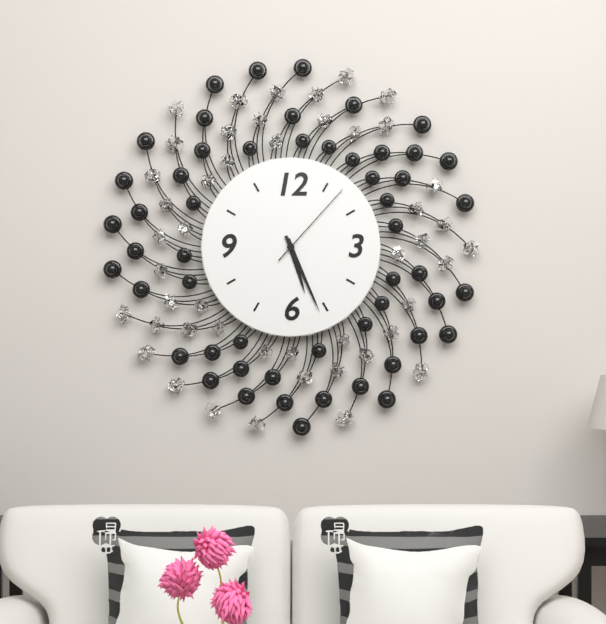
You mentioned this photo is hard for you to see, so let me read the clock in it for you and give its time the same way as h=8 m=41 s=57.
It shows h=5 m=26 s=7
